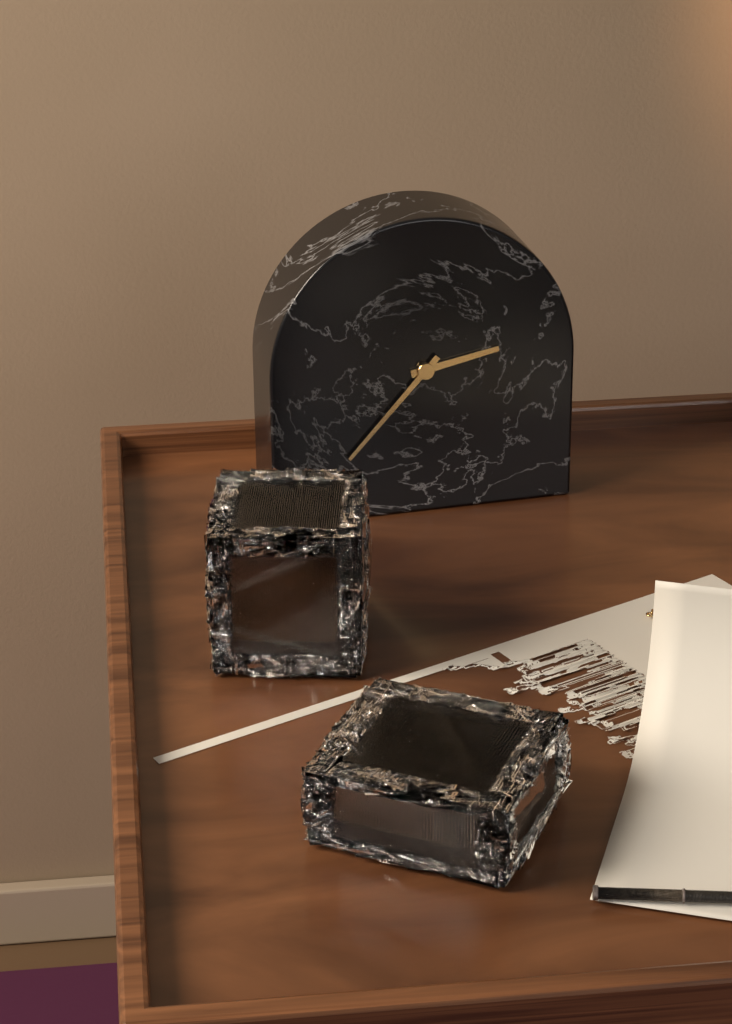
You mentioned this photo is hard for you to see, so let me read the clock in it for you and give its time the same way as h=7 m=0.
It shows h=2 m=37
